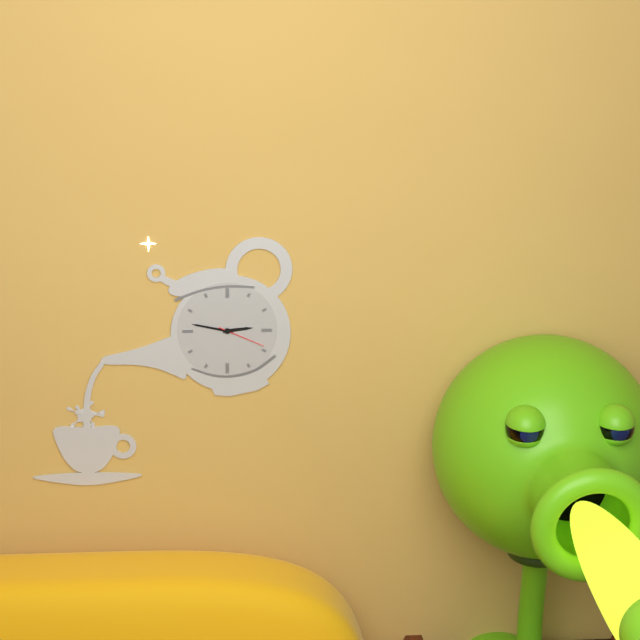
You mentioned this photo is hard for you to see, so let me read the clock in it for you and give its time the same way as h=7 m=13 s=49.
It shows h=2 m=47 s=19
